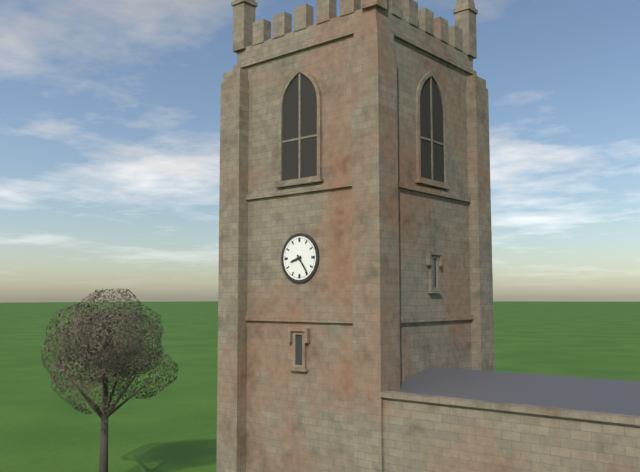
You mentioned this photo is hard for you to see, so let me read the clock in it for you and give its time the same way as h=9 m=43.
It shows h=8 m=24
